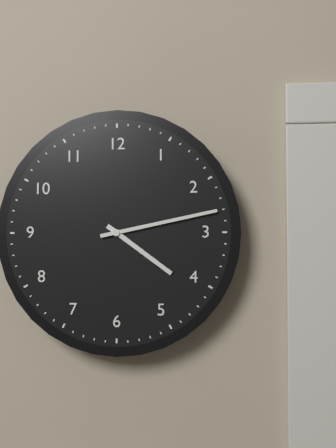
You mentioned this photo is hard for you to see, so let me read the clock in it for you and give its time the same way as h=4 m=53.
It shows h=4 m=13
